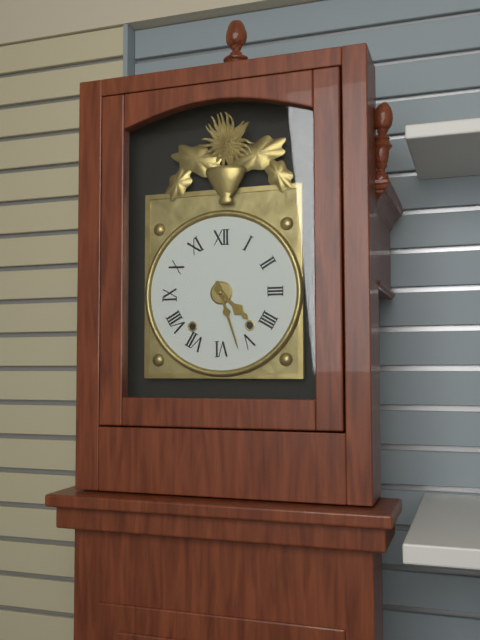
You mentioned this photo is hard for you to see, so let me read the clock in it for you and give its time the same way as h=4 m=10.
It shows h=4 m=27
